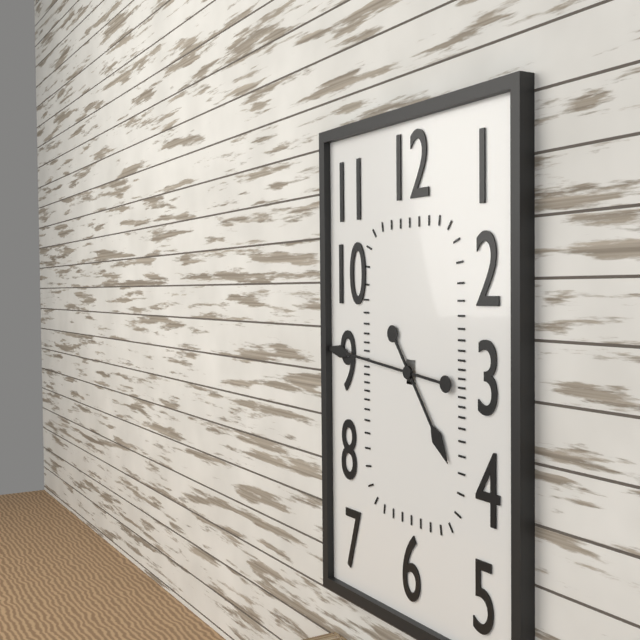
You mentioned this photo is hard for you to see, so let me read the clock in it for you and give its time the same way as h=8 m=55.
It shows h=4 m=46
